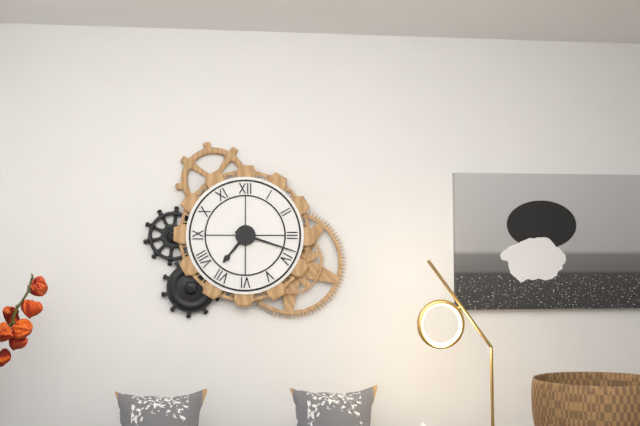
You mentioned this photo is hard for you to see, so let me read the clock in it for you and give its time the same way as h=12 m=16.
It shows h=7 m=18
